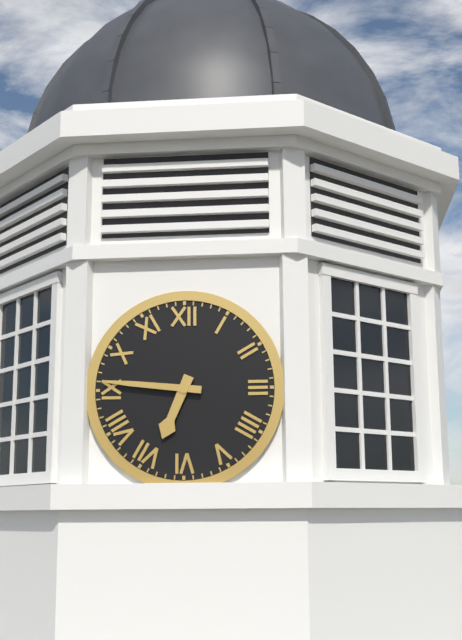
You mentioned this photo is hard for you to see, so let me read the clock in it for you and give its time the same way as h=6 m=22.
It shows h=6 m=46
